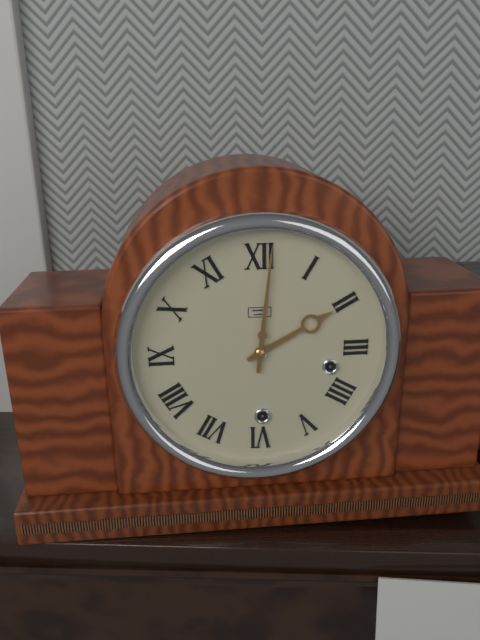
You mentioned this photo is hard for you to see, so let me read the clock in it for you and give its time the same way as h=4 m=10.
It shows h=2 m=1
